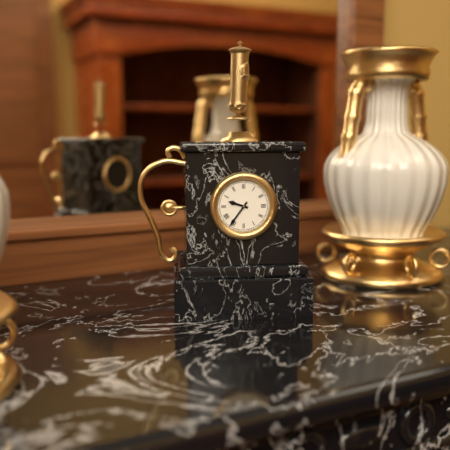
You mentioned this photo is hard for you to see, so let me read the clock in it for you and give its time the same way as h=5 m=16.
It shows h=9 m=36
